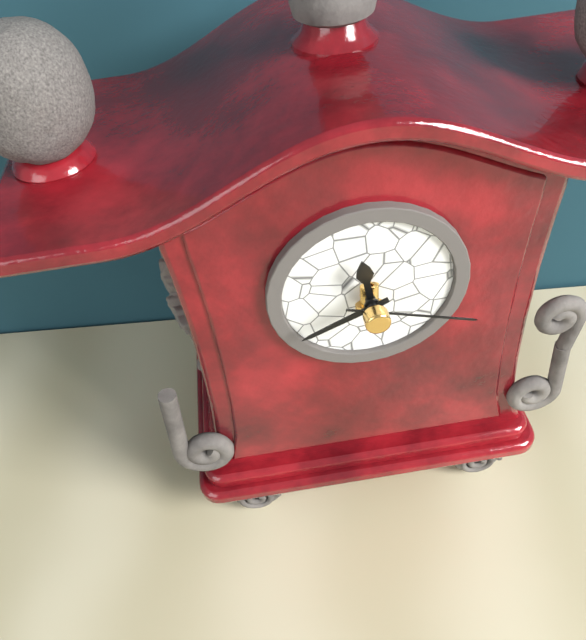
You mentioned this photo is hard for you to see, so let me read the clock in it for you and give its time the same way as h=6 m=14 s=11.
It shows h=11 m=41 s=18
